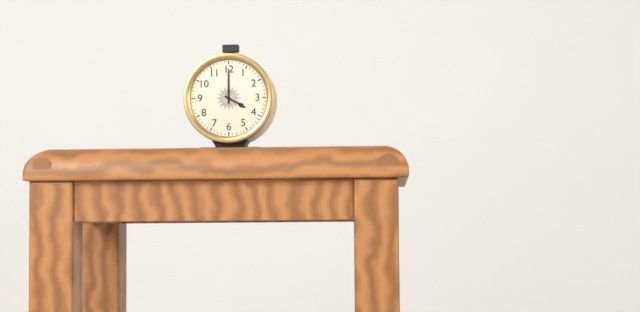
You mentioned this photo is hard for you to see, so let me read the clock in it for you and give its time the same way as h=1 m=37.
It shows h=4 m=0
